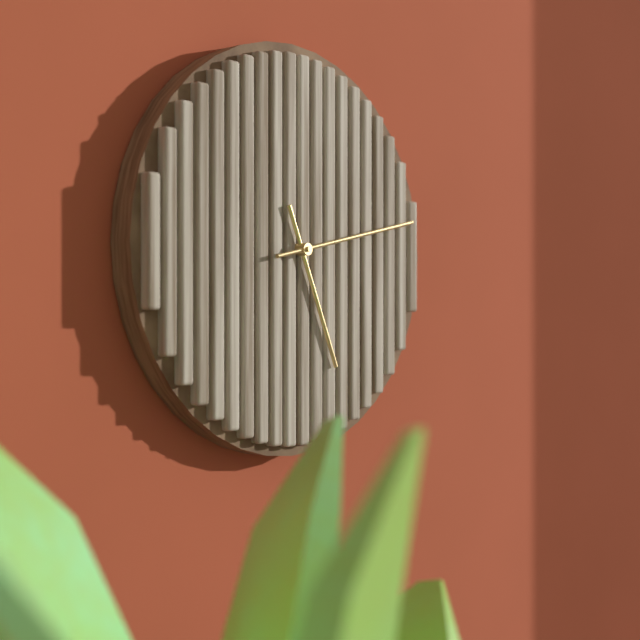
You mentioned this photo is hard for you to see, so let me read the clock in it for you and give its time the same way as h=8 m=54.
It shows h=5 m=13
